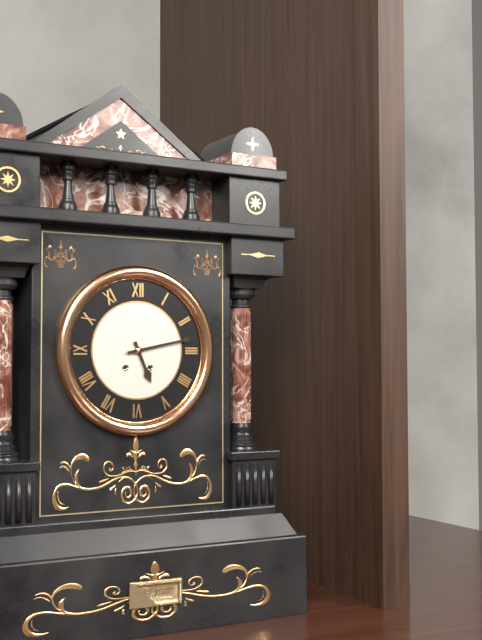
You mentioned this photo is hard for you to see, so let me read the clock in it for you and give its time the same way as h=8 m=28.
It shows h=5 m=13
